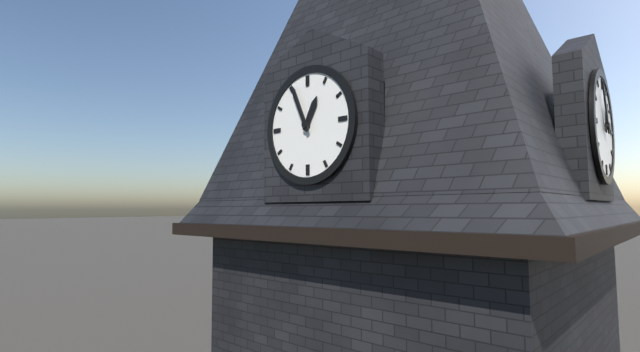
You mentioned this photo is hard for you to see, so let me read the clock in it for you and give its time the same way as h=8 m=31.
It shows h=12 m=56
